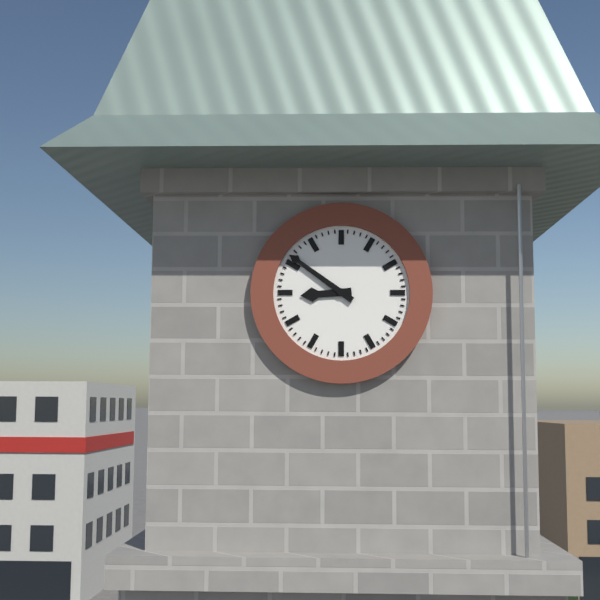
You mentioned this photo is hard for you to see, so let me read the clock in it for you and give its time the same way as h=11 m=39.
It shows h=8 m=51
